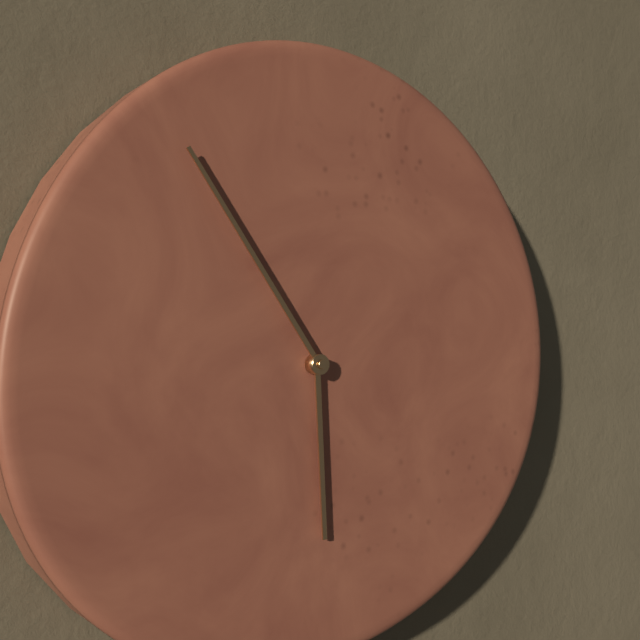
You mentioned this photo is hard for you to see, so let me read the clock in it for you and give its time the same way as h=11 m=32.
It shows h=5 m=54
